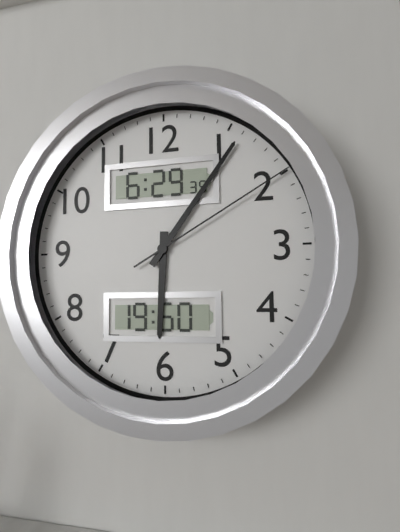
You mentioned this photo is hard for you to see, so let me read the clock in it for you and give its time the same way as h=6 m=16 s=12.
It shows h=6 m=6 s=10
